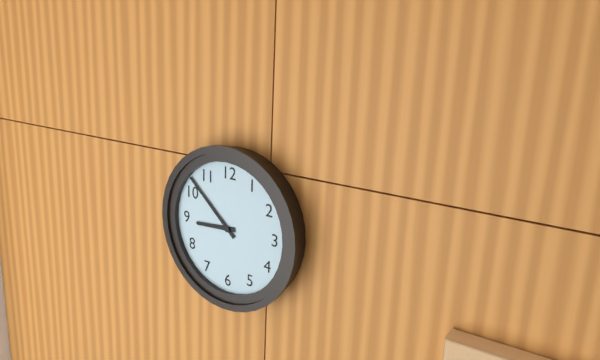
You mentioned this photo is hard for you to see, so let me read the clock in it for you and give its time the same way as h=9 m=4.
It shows h=8 m=52
